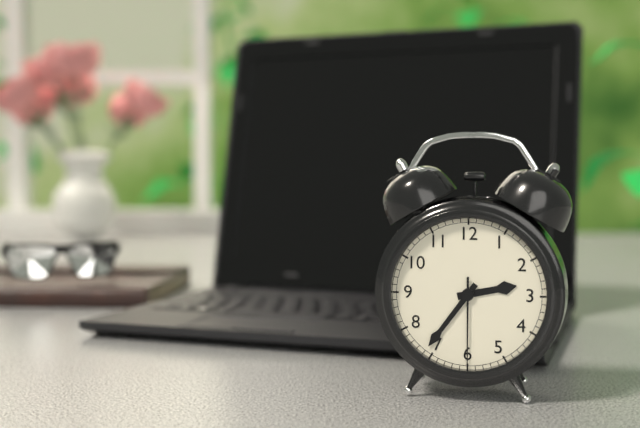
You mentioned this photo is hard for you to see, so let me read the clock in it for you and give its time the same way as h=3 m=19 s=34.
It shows h=2 m=36 s=30
